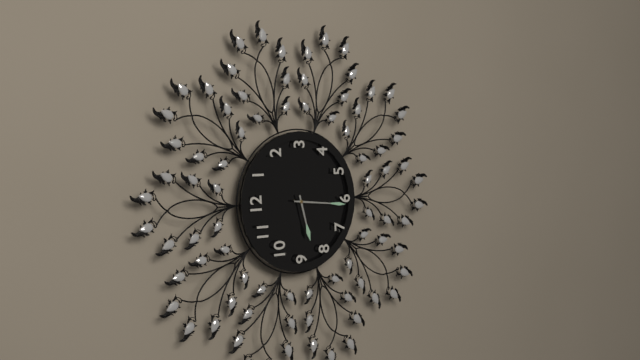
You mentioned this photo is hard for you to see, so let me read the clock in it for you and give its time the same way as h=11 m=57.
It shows h=8 m=31
